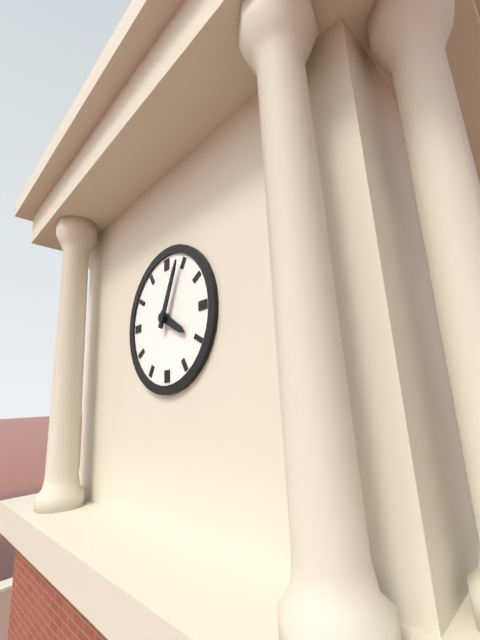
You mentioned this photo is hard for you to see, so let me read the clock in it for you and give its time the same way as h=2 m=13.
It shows h=4 m=4
